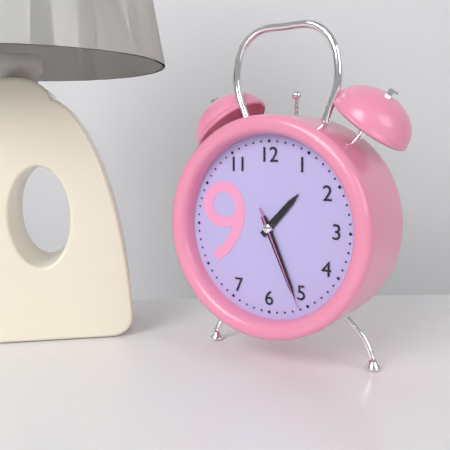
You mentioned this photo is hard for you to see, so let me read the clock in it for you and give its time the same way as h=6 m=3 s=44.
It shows h=1 m=26 s=26
